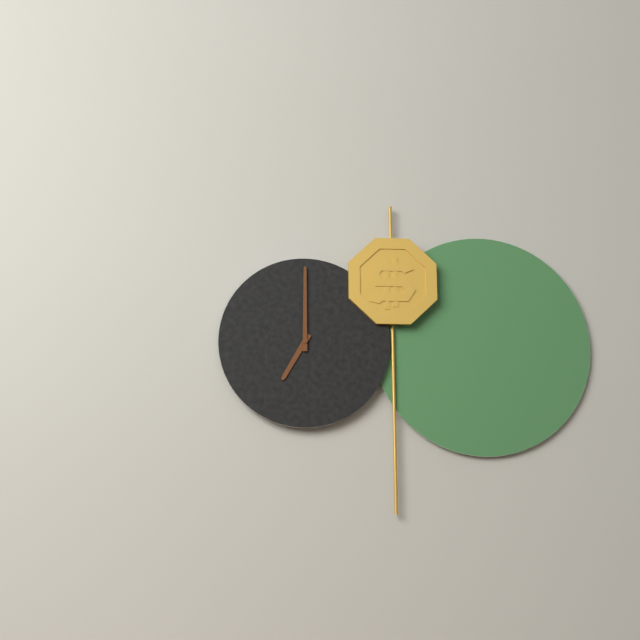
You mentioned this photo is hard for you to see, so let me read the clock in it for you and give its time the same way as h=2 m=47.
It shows h=7 m=0
